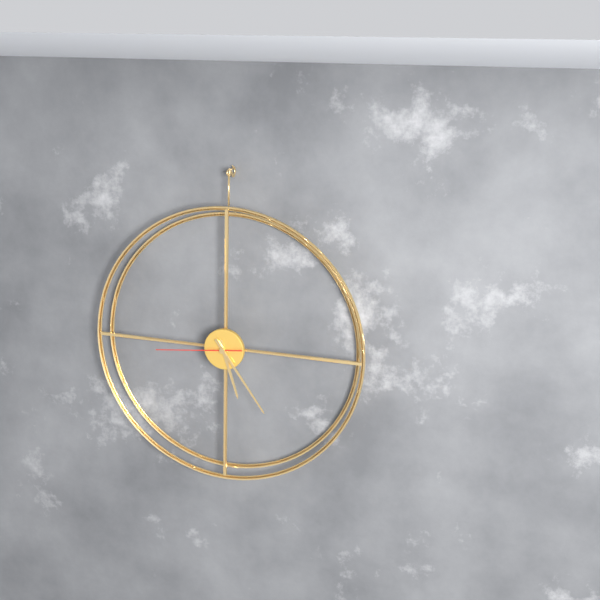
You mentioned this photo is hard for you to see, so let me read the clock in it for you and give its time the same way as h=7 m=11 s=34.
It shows h=5 m=24 s=44
